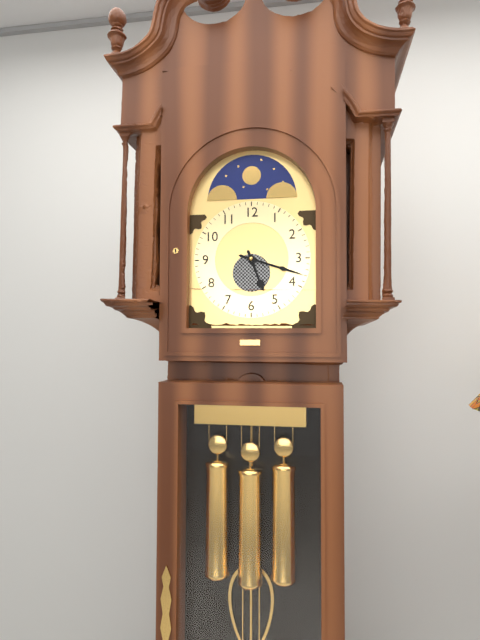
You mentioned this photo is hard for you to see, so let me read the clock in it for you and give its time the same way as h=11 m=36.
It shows h=5 m=18
